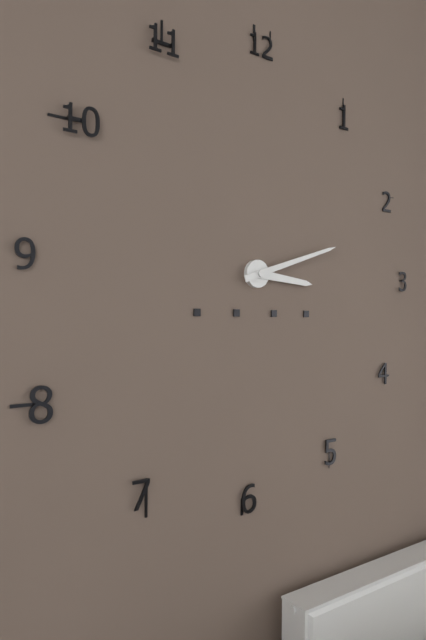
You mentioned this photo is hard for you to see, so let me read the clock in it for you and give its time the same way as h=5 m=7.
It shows h=3 m=12
